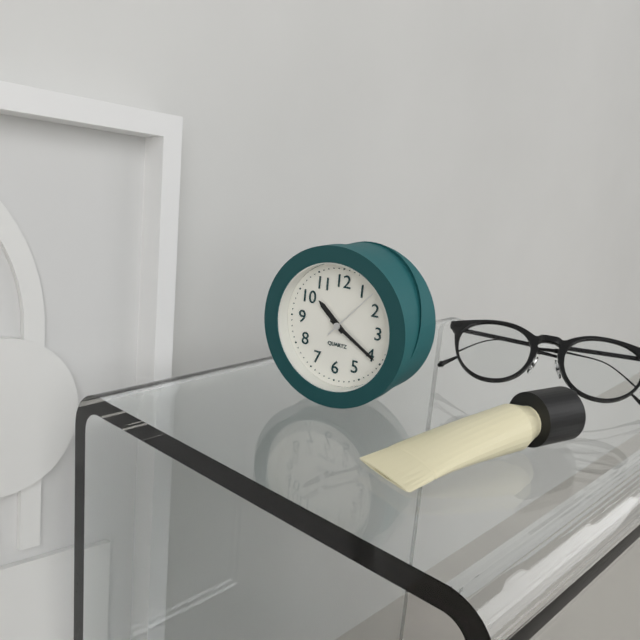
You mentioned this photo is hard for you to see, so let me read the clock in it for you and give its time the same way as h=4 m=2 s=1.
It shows h=10 m=20 s=7
